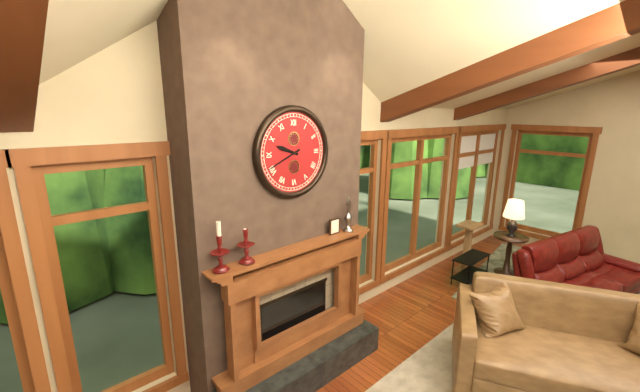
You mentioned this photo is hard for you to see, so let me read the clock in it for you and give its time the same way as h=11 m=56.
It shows h=9 m=41
